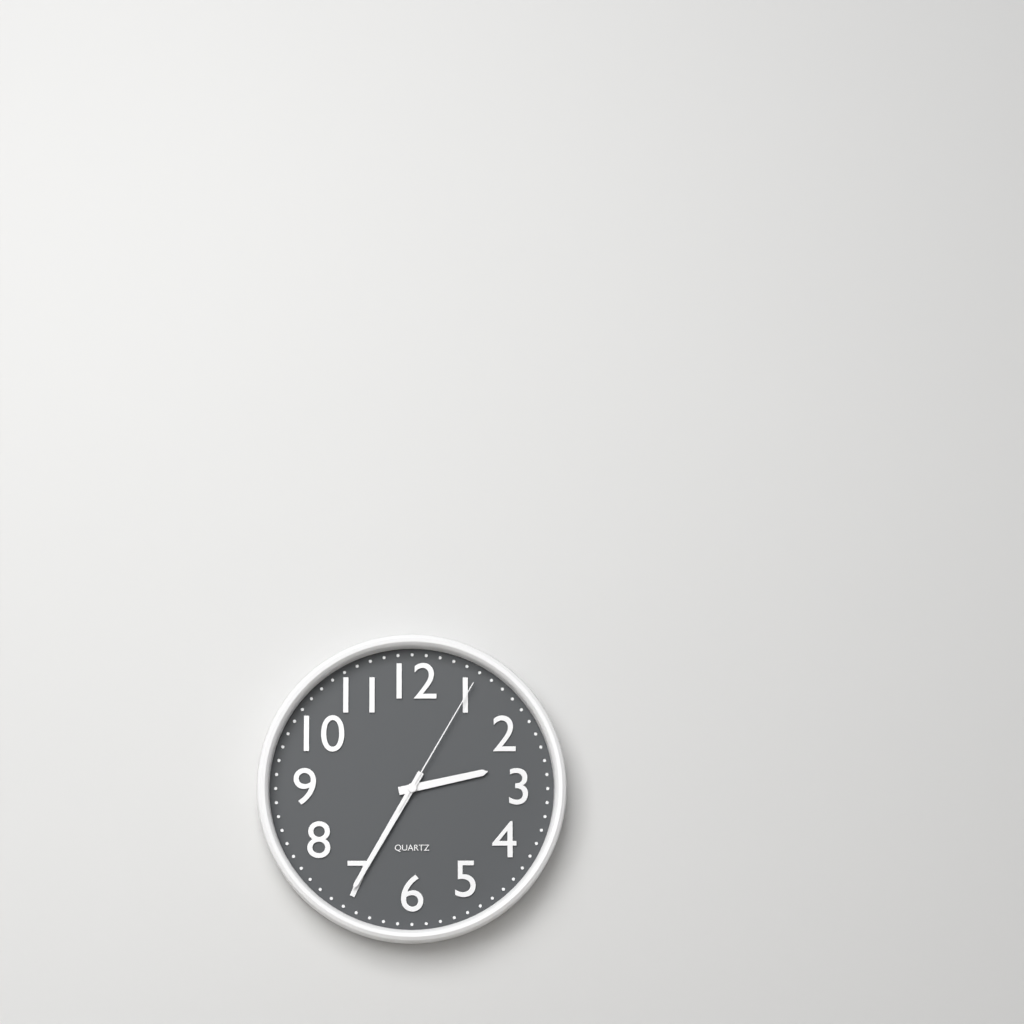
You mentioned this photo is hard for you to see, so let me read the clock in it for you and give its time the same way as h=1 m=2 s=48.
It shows h=2 m=35 s=5
